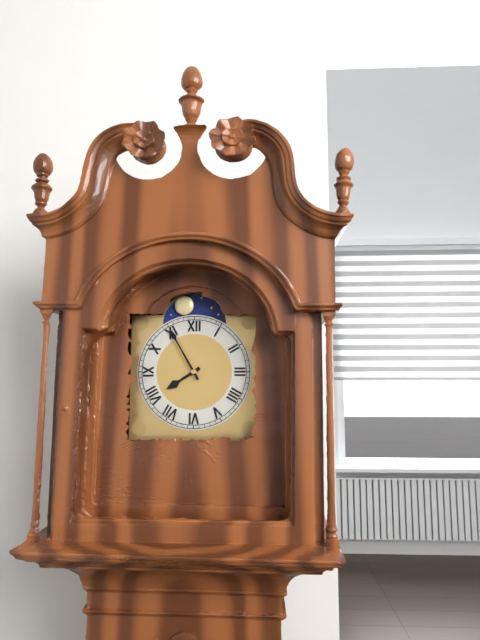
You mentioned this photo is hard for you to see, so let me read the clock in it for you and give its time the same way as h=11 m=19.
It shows h=7 m=55
